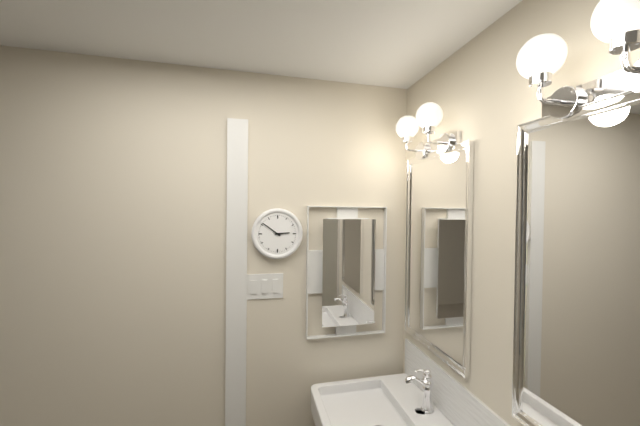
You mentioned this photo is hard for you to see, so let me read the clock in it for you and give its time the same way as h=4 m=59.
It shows h=2 m=51
